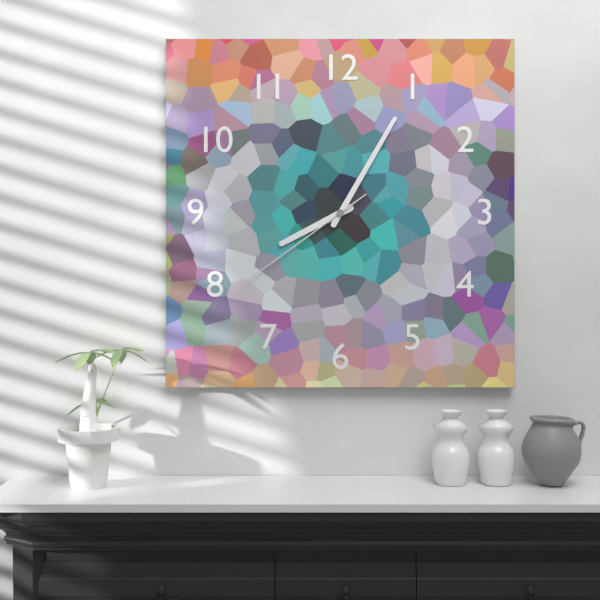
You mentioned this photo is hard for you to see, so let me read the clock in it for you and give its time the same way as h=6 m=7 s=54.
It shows h=8 m=5 s=39
